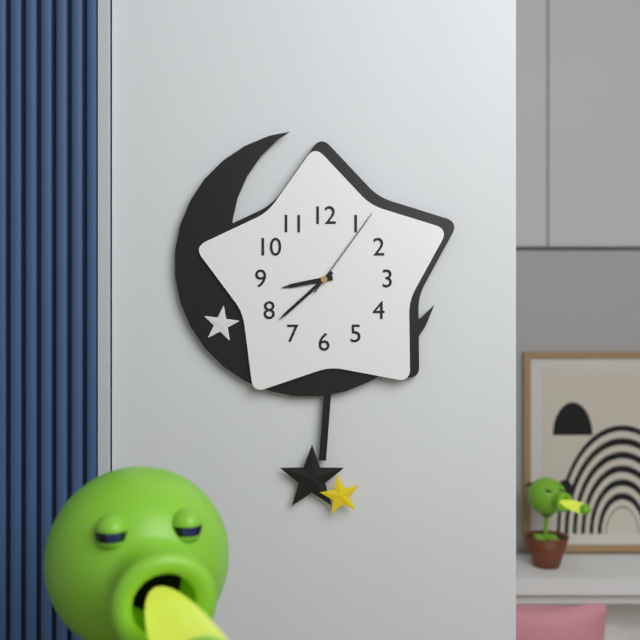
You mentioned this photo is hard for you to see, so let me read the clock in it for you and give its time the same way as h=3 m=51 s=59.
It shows h=8 m=38 s=6
